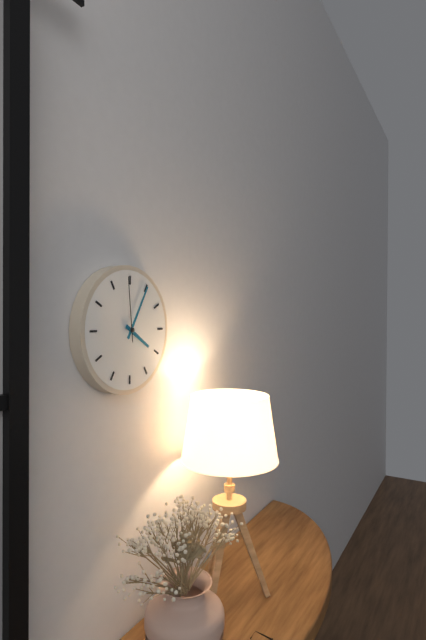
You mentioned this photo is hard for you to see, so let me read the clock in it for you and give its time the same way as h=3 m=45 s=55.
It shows h=4 m=5 s=59
